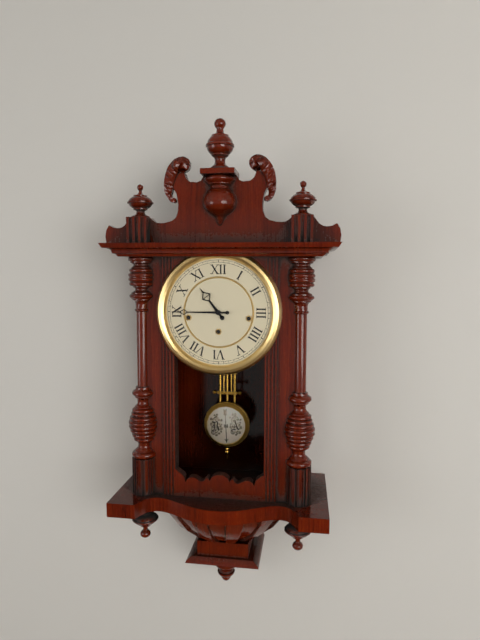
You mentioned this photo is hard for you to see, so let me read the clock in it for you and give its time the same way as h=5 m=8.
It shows h=10 m=45
